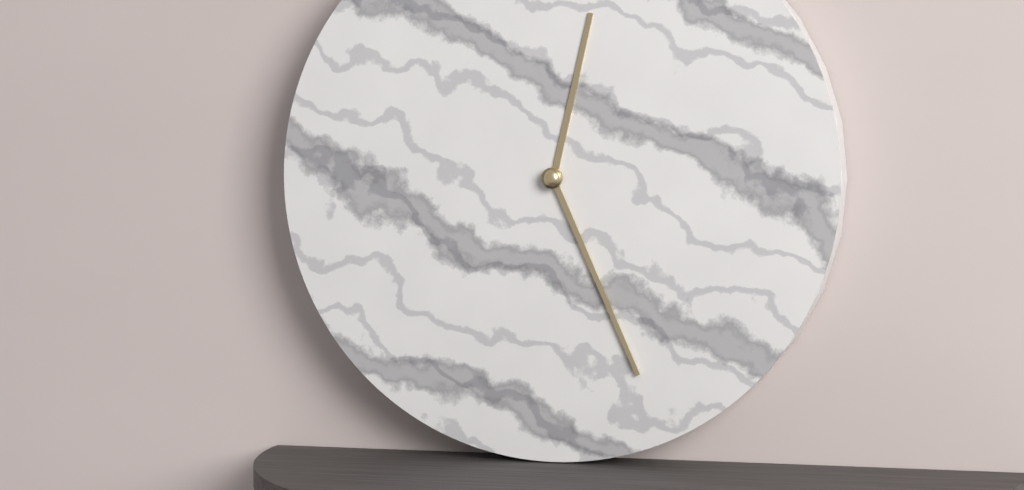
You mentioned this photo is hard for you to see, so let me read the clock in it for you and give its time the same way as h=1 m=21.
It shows h=12 m=26
